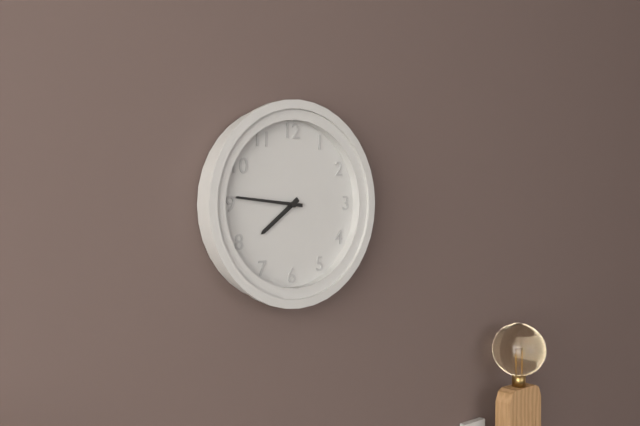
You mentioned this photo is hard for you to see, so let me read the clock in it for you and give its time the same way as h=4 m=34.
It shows h=7 m=46
